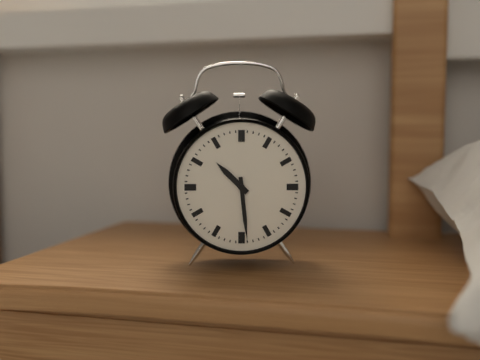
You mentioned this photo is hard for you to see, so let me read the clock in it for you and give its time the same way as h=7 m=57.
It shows h=10 m=29
